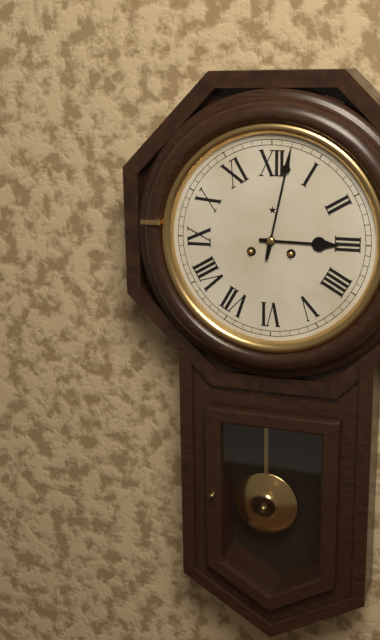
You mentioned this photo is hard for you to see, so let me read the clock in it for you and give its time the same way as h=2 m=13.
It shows h=3 m=2
